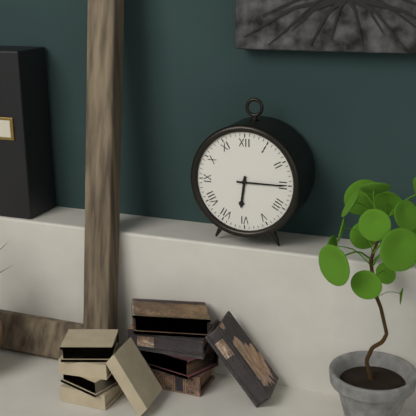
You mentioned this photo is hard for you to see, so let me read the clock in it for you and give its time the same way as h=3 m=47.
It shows h=6 m=15
